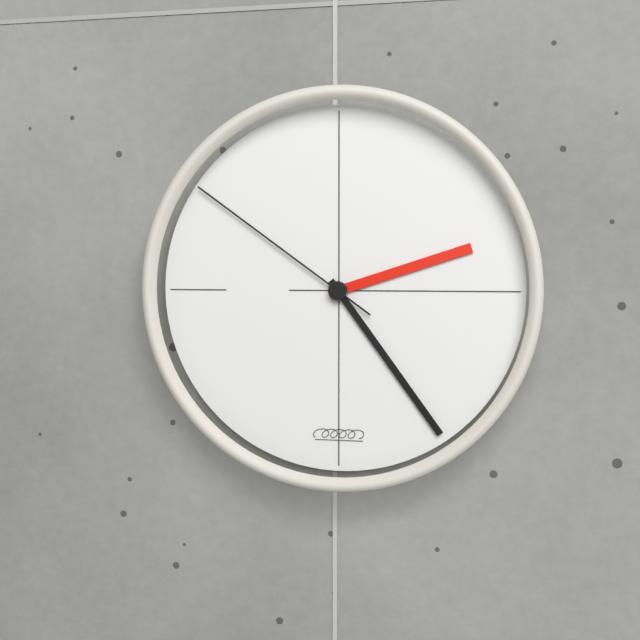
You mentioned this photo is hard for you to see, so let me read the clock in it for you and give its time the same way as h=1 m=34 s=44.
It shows h=2 m=24 s=51
